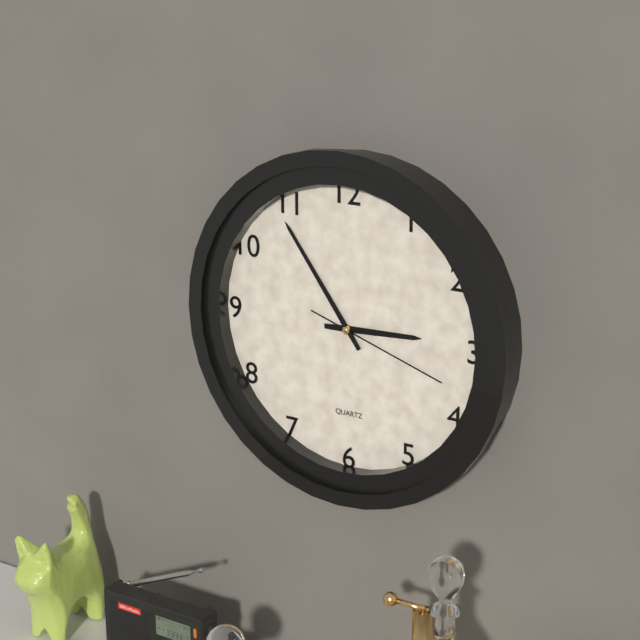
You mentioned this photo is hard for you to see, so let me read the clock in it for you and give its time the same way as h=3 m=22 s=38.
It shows h=2 m=54 s=18
